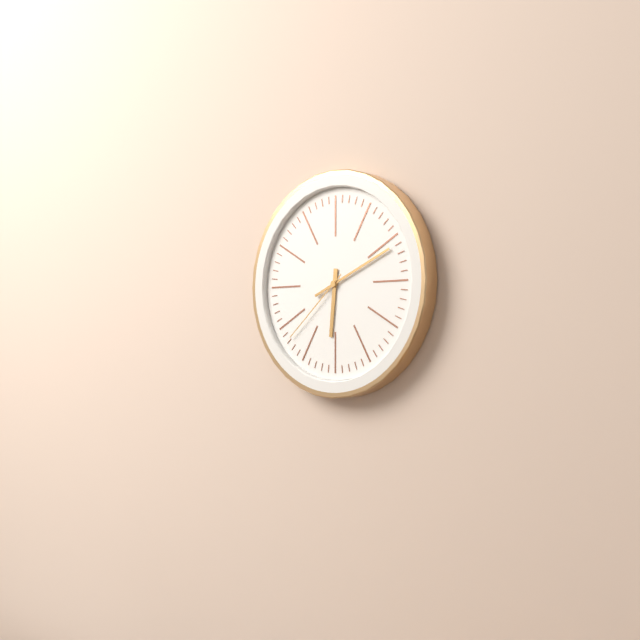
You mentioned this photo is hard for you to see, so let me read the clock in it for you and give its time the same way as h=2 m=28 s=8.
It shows h=6 m=11 s=38
